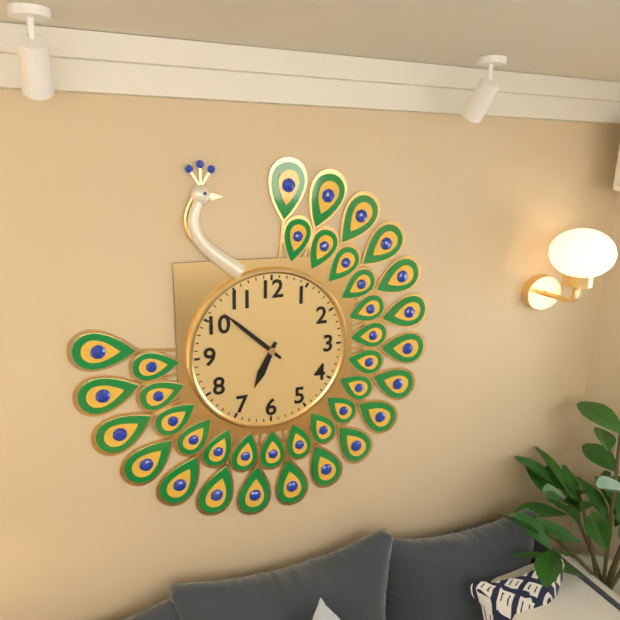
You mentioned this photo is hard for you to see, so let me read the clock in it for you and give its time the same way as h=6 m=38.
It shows h=6 m=52
